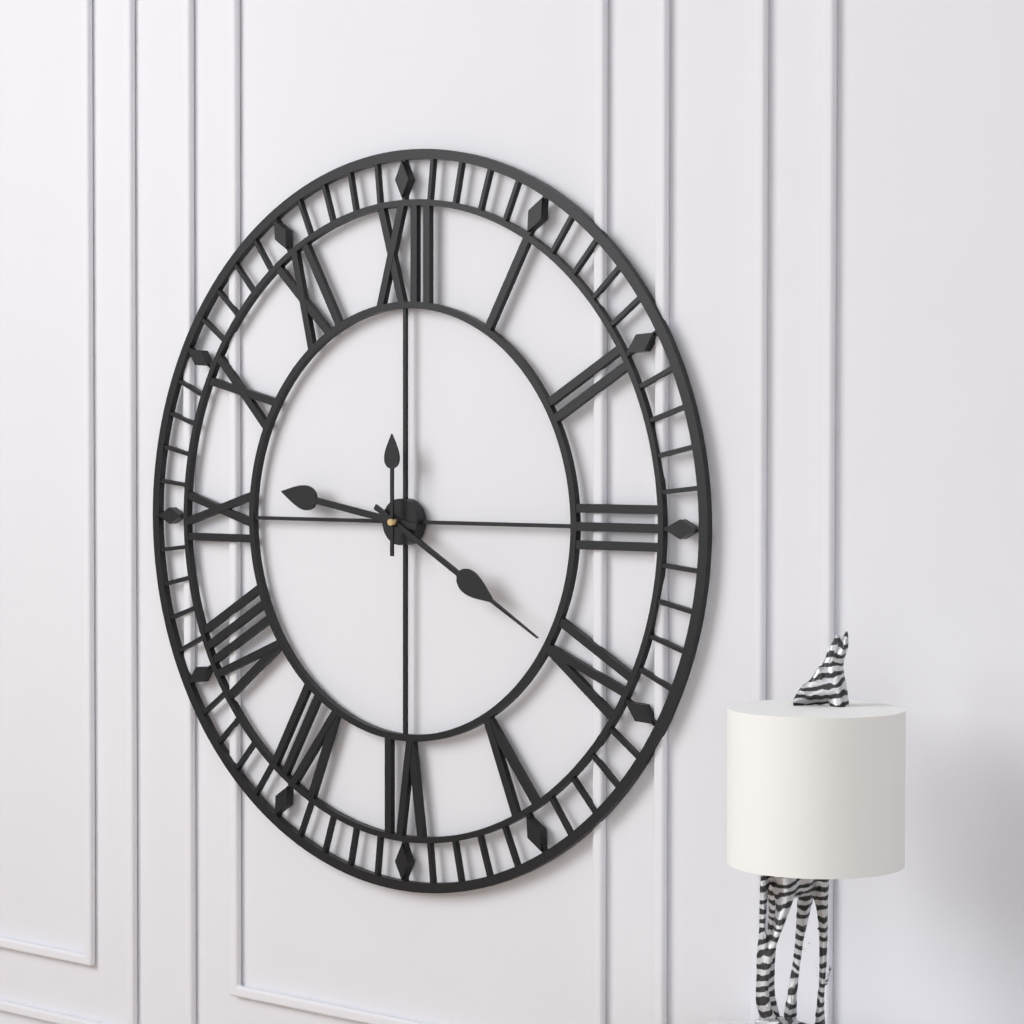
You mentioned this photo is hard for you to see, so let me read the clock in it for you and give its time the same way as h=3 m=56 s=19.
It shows h=9 m=20 s=0
